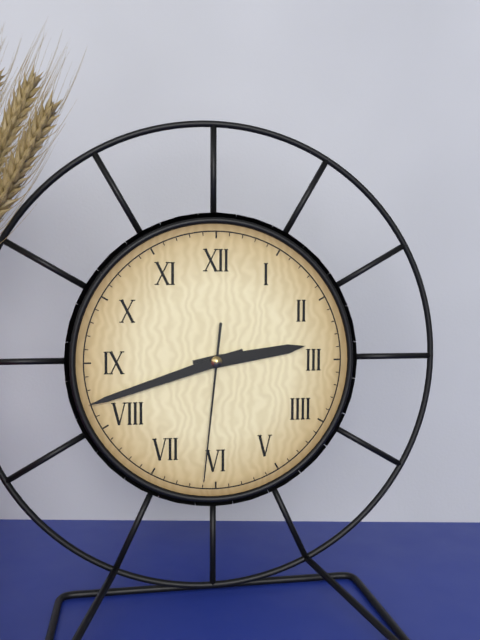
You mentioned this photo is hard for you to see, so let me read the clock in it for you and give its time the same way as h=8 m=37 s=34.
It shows h=2 m=42 s=31
